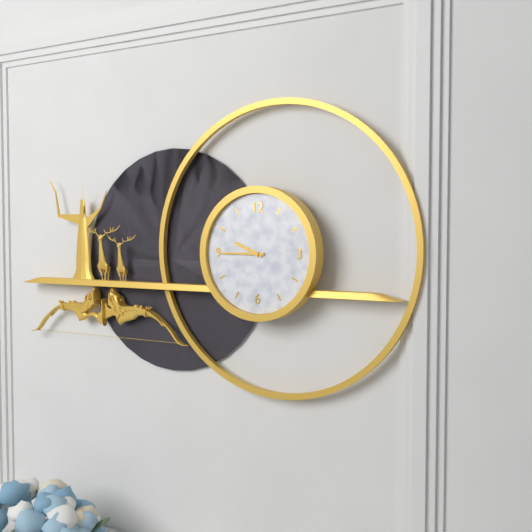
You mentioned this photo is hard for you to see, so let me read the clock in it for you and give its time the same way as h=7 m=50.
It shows h=9 m=45
